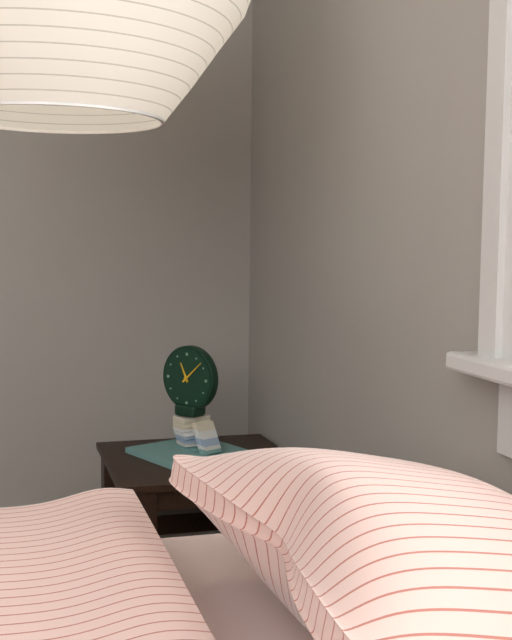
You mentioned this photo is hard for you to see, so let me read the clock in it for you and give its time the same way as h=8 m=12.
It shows h=11 m=8
